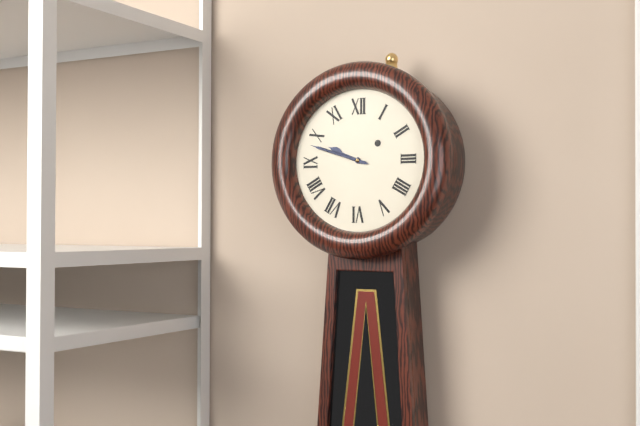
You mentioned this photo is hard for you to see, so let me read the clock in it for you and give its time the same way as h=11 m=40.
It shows h=9 m=48
